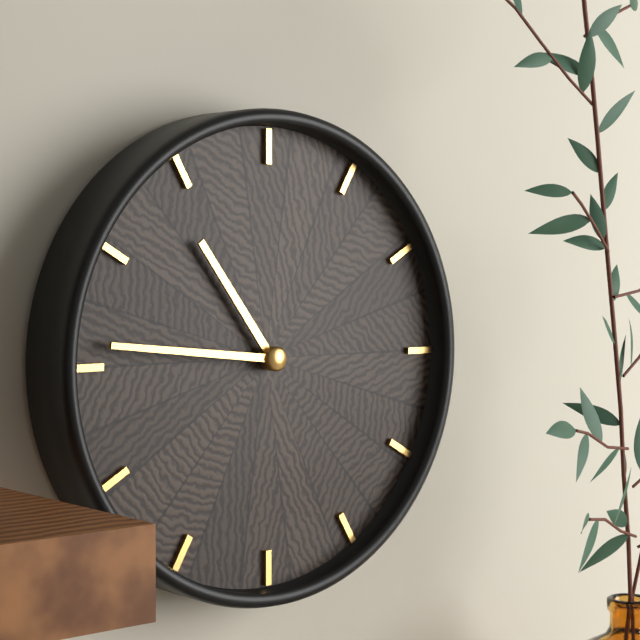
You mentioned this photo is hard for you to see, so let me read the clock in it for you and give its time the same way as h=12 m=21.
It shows h=10 m=46
